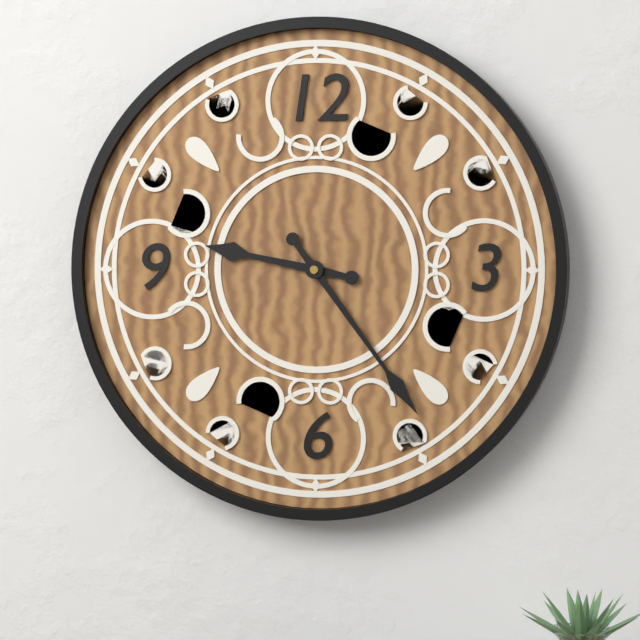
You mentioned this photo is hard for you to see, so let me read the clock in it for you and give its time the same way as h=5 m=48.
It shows h=9 m=24
